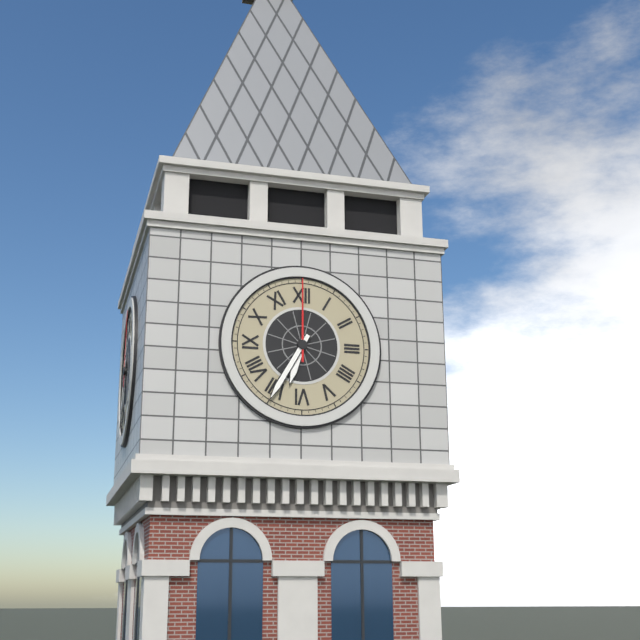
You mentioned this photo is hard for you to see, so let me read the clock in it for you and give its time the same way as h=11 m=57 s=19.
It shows h=6 m=35 s=0
